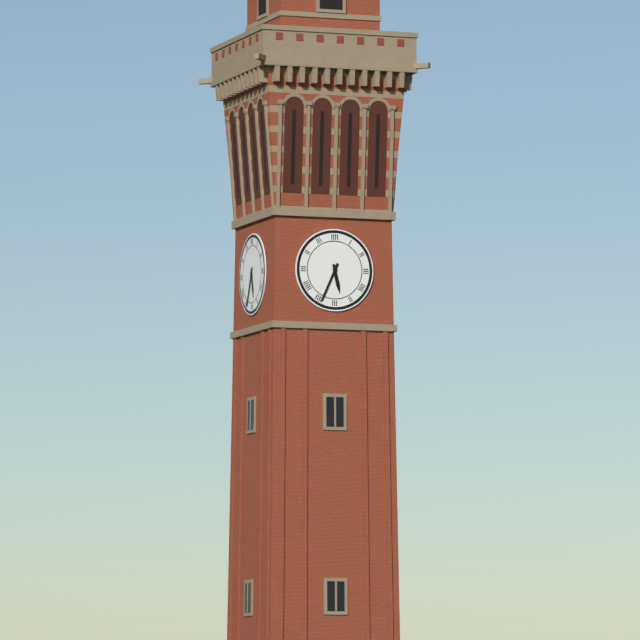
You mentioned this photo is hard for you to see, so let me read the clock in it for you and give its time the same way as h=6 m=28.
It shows h=5 m=34
